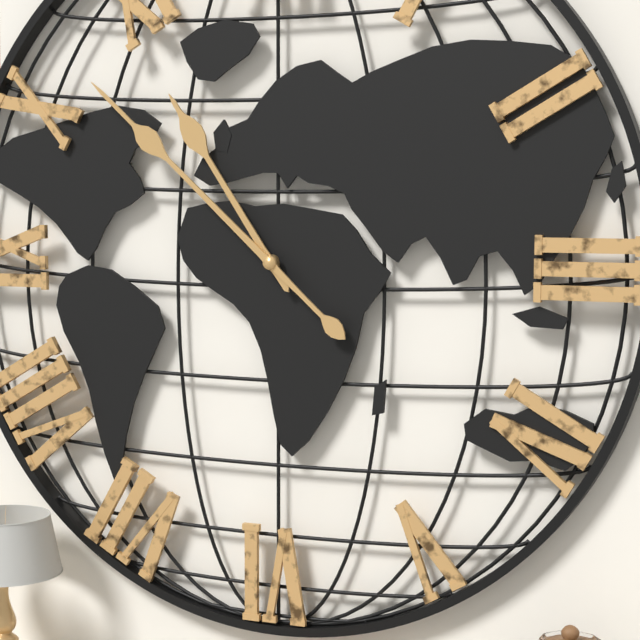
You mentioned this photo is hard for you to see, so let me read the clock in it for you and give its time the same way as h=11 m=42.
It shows h=10 m=52
